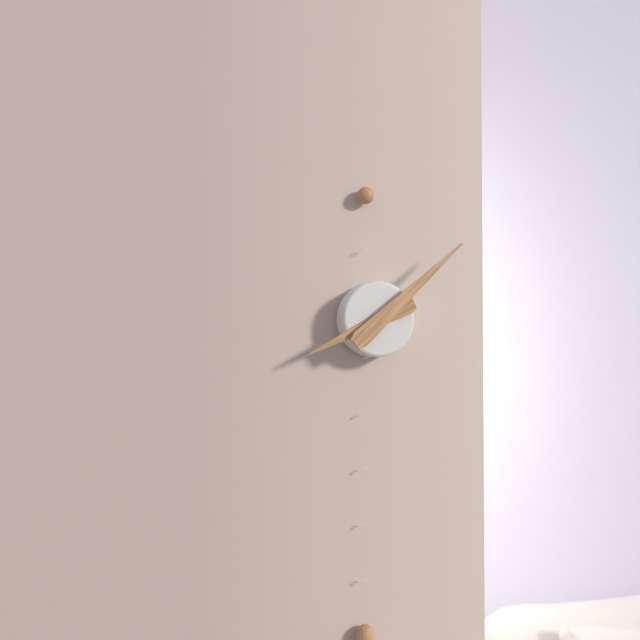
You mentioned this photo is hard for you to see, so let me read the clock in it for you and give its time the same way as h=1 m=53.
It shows h=8 m=8
